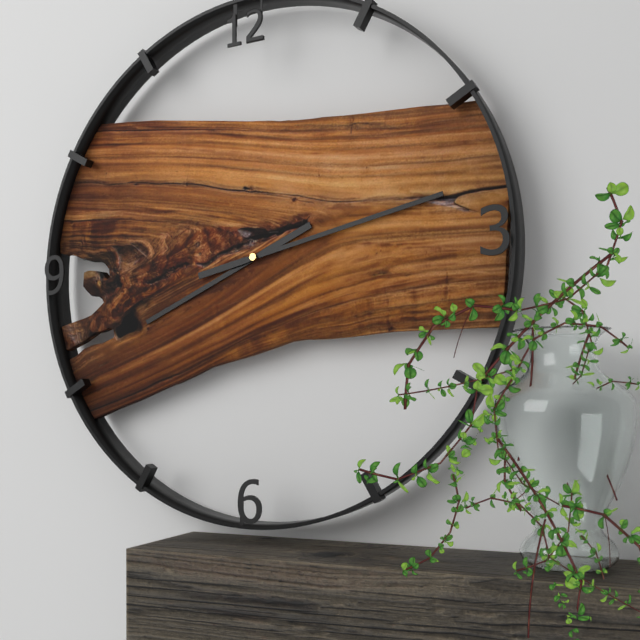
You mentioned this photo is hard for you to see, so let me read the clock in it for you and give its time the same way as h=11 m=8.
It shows h=8 m=13
